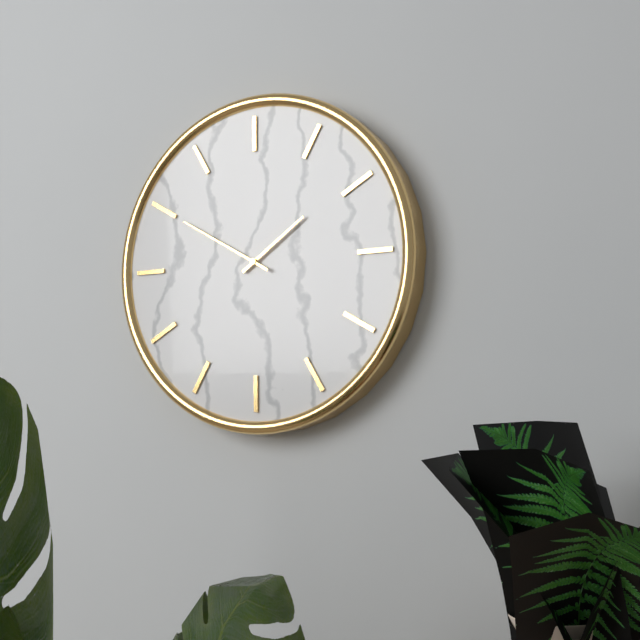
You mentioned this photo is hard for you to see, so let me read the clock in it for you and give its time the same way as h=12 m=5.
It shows h=1 m=50
